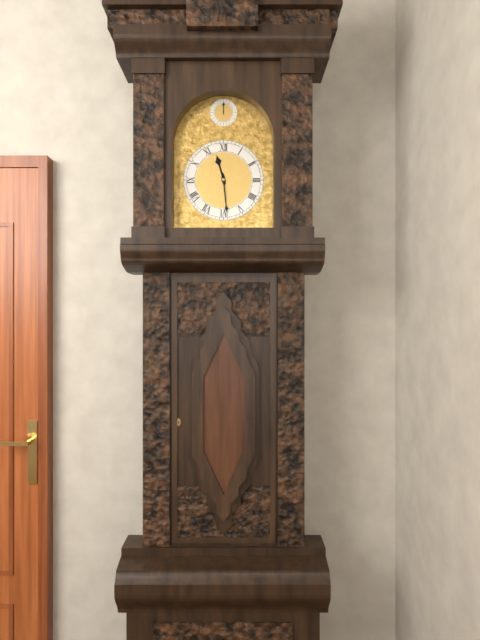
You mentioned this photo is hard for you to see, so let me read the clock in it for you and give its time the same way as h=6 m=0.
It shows h=11 m=29
